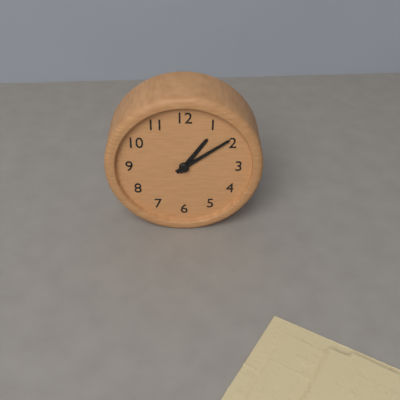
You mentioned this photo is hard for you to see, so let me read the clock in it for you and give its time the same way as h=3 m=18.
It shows h=1 m=9
